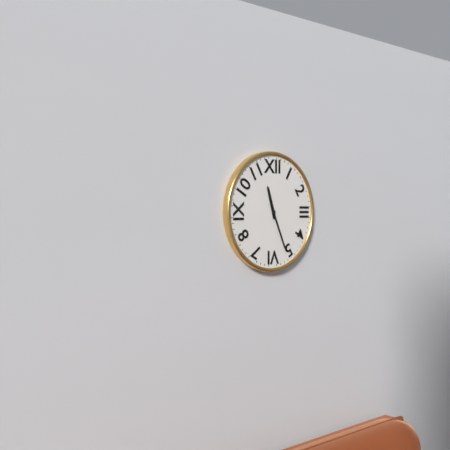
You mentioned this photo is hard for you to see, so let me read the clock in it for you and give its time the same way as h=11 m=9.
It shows h=11 m=26
